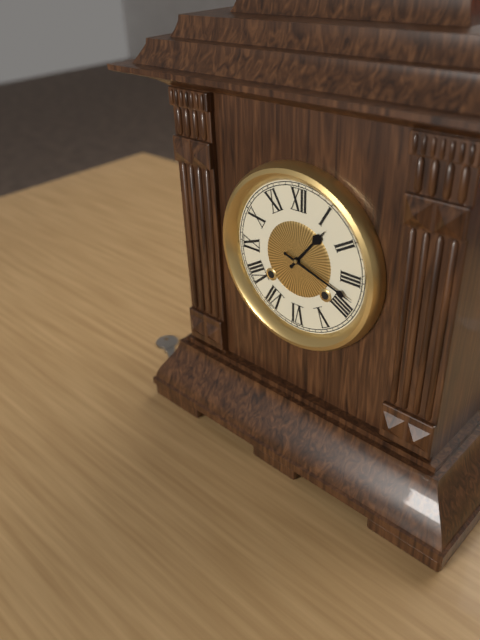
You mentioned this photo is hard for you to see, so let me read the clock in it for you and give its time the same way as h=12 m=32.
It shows h=1 m=18
